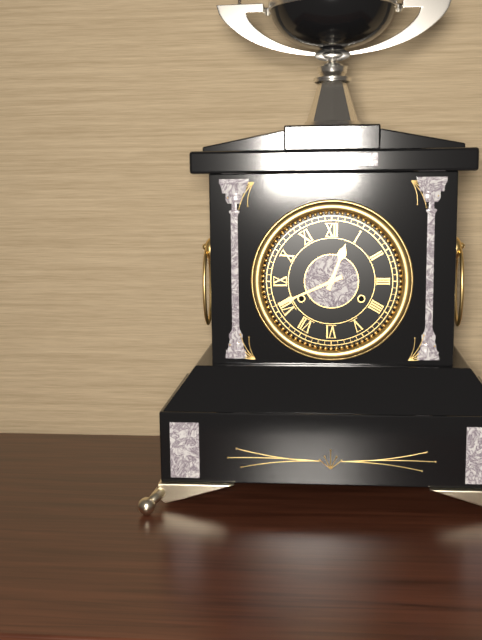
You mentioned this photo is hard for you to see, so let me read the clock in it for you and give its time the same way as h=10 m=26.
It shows h=12 m=41
